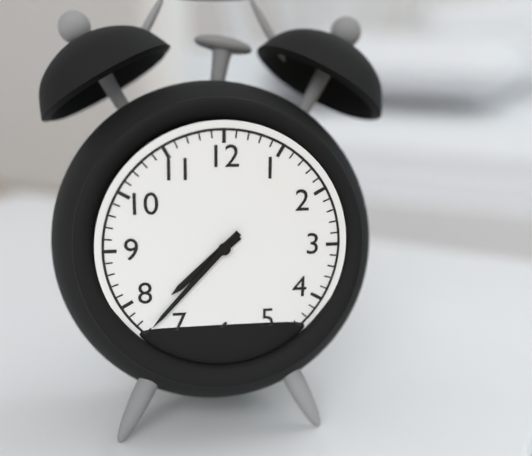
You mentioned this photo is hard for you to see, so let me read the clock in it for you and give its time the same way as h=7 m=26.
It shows h=7 m=37
